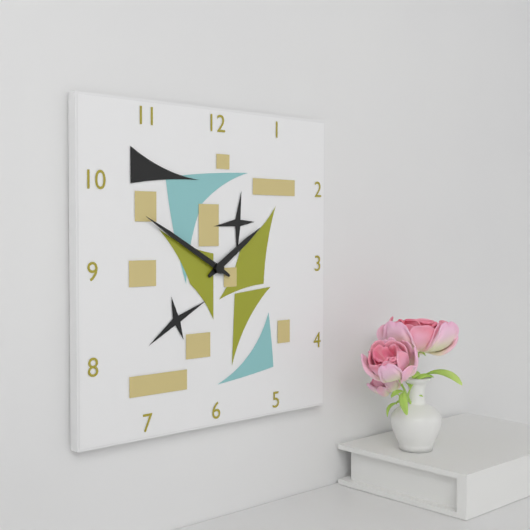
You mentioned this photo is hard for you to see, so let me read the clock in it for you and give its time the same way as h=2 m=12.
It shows h=1 m=50
